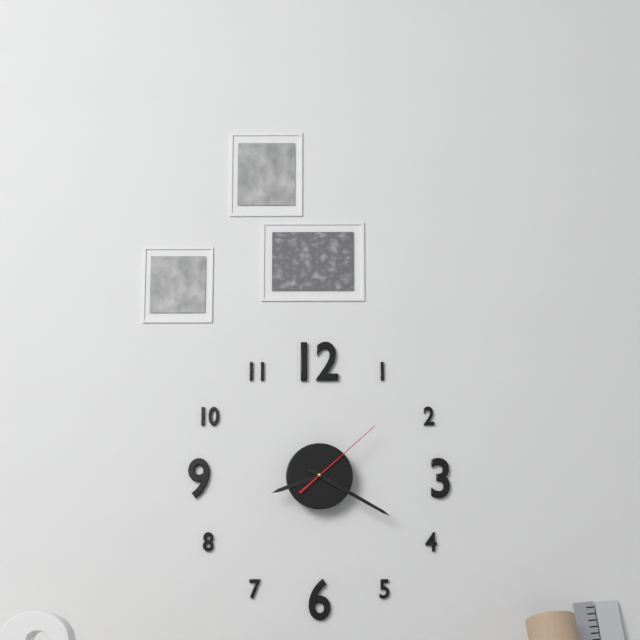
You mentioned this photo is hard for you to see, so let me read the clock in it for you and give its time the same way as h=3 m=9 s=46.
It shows h=8 m=20 s=8
